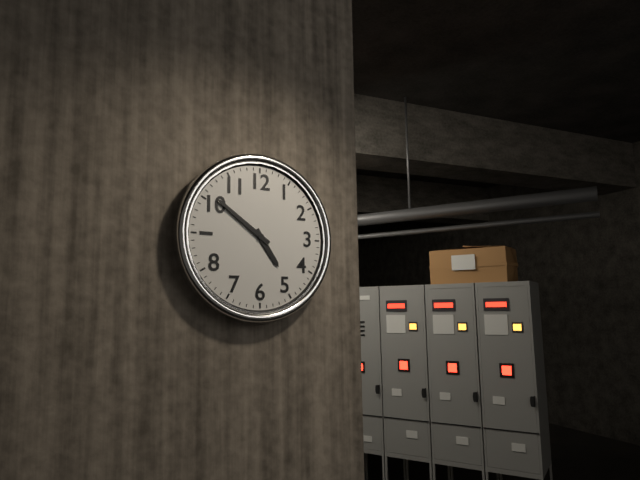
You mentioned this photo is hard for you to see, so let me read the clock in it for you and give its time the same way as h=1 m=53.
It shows h=4 m=51
